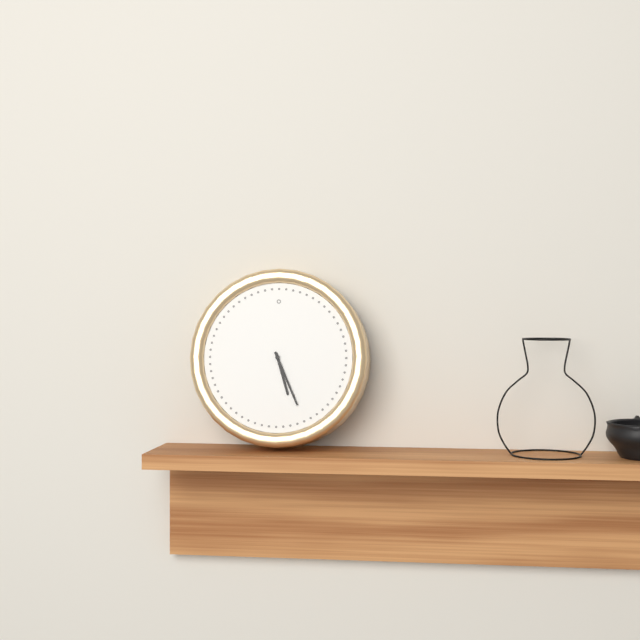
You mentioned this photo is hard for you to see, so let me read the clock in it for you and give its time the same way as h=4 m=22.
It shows h=5 m=26
